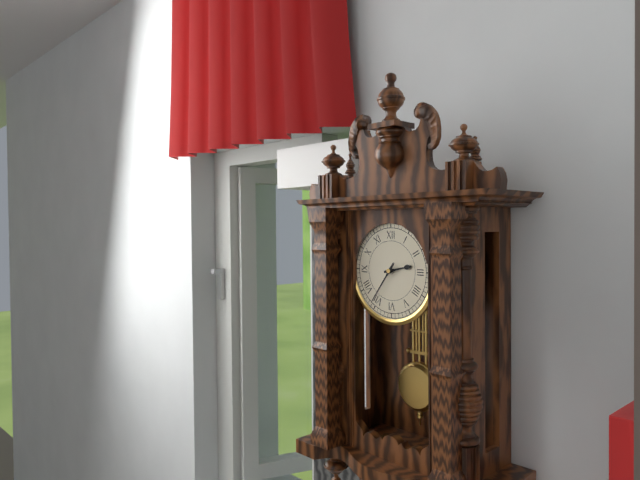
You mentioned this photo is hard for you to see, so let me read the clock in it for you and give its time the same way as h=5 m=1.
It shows h=2 m=36
